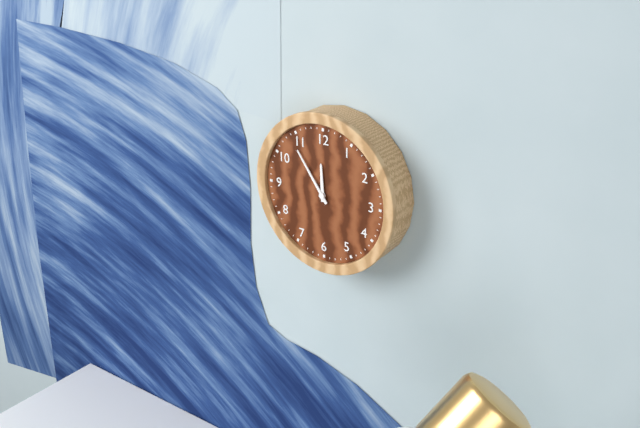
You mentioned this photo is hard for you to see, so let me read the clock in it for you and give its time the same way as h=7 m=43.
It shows h=11 m=54
